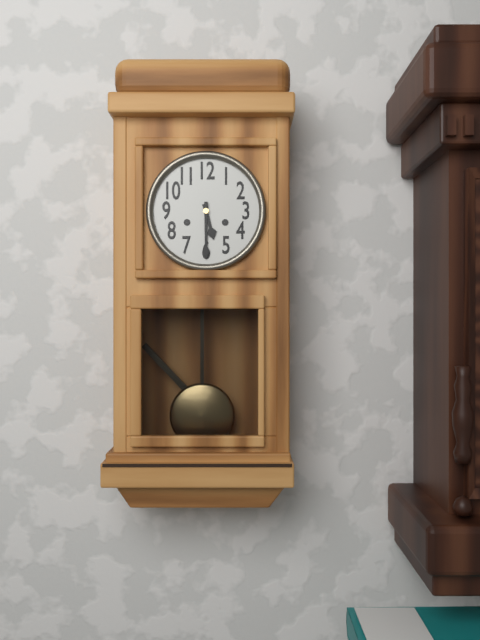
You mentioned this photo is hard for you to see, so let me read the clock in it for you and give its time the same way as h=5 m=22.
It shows h=5 m=30
